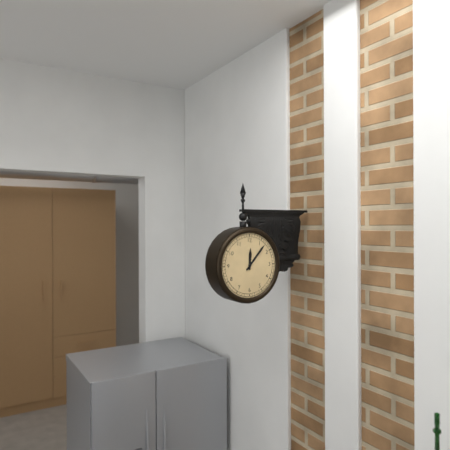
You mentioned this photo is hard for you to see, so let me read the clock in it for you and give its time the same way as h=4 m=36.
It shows h=12 m=7
